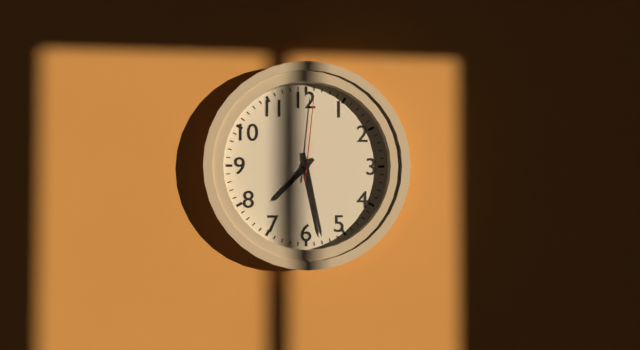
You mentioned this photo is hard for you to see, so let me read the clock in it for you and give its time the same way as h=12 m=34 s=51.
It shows h=7 m=28 s=1
